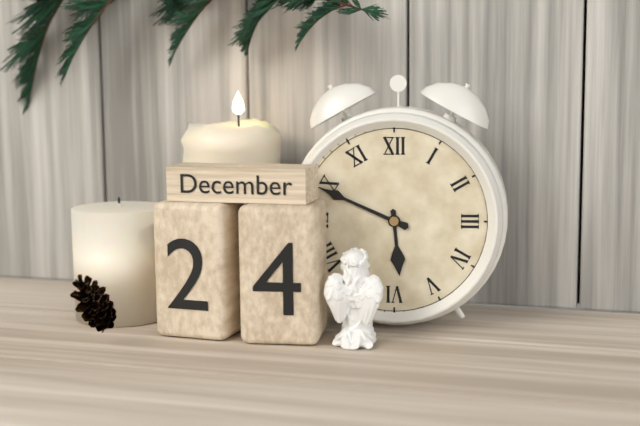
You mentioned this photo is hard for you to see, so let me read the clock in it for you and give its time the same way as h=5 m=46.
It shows h=5 m=49
